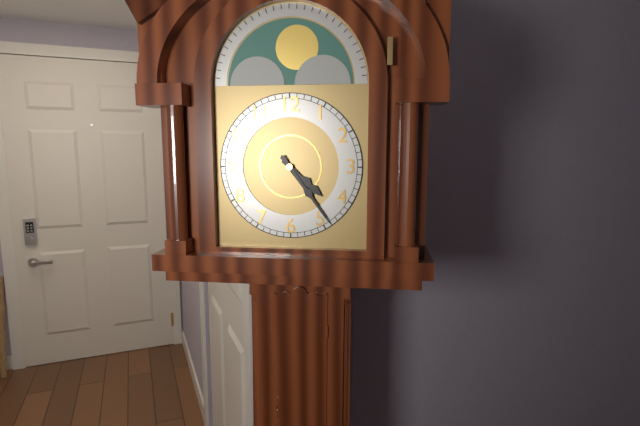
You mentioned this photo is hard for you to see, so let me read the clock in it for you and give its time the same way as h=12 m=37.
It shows h=4 m=24
